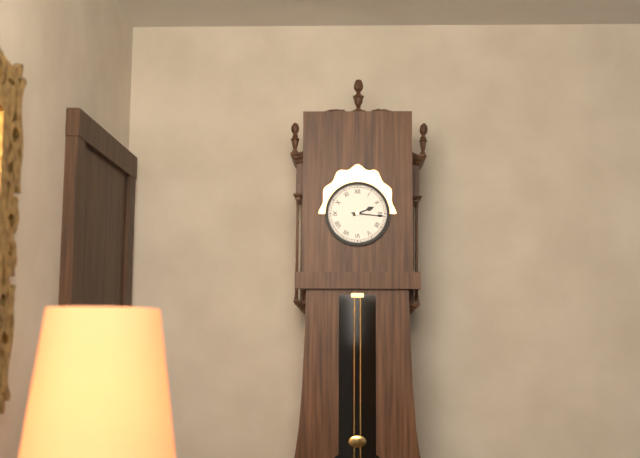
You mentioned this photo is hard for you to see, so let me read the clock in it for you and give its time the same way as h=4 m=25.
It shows h=2 m=16
